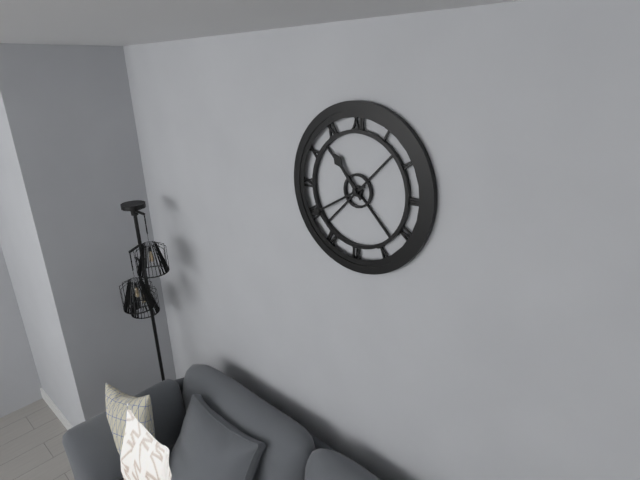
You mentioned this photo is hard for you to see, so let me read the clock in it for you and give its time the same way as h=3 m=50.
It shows h=10 m=40
